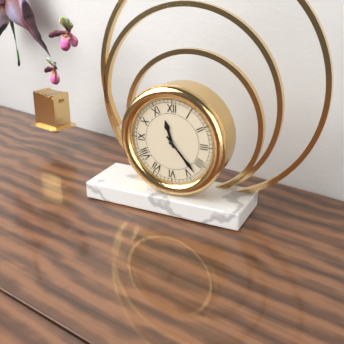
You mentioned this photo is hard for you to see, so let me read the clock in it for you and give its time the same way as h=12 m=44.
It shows h=11 m=23
